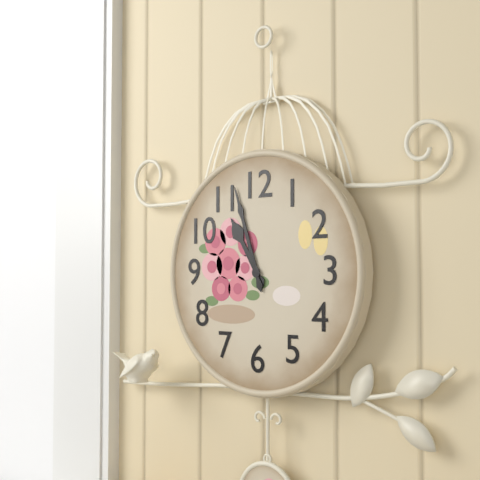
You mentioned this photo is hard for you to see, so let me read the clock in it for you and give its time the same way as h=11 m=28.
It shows h=10 m=57
